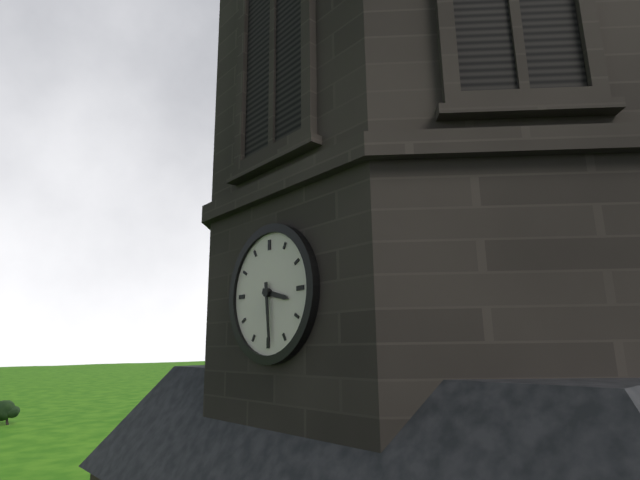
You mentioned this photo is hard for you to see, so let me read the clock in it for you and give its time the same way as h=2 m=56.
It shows h=3 m=29
